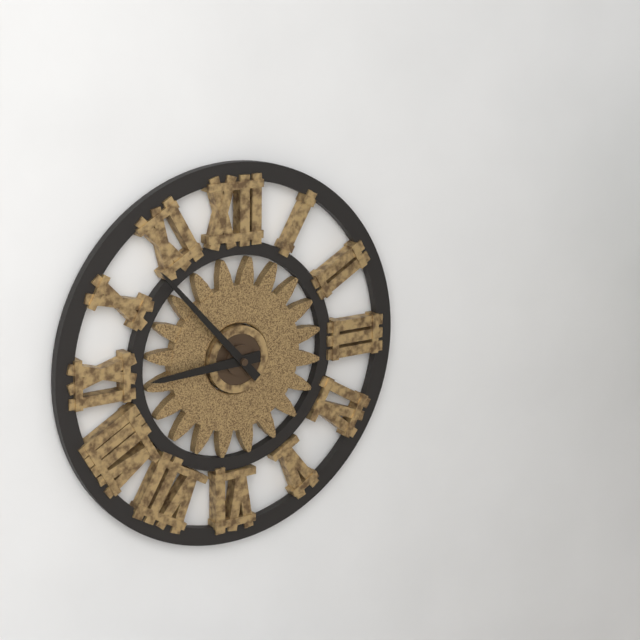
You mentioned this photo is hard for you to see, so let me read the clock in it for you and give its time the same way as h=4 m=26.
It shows h=8 m=53
